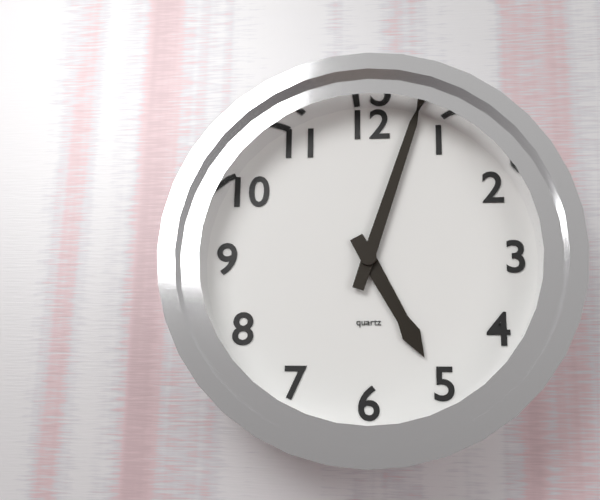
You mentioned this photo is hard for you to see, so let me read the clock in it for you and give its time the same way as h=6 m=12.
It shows h=5 m=3
